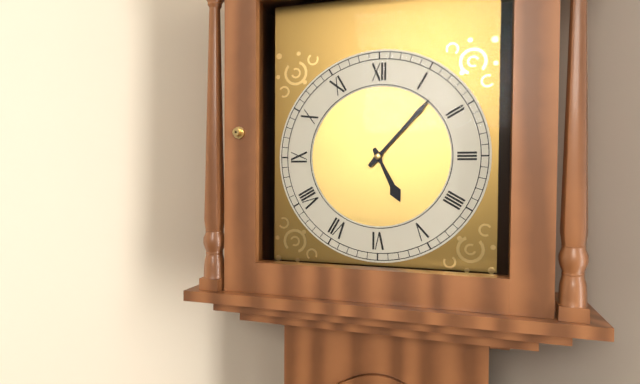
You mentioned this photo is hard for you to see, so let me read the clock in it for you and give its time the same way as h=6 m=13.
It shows h=5 m=7
